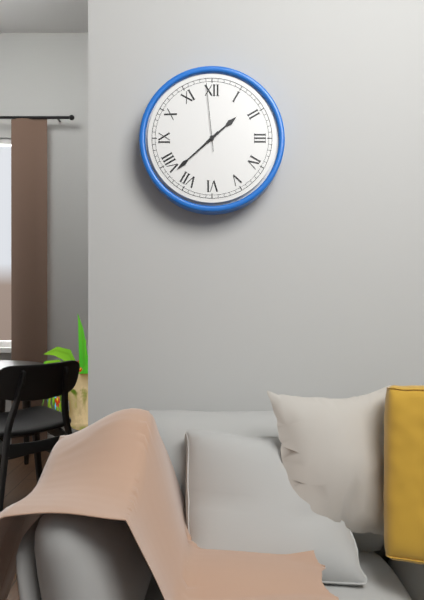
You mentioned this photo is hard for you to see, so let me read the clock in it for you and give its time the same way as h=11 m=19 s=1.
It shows h=1 m=38 s=59
